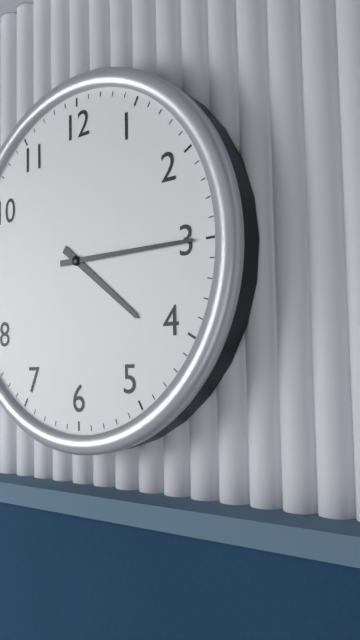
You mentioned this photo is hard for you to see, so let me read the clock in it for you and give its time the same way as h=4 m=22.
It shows h=4 m=15
